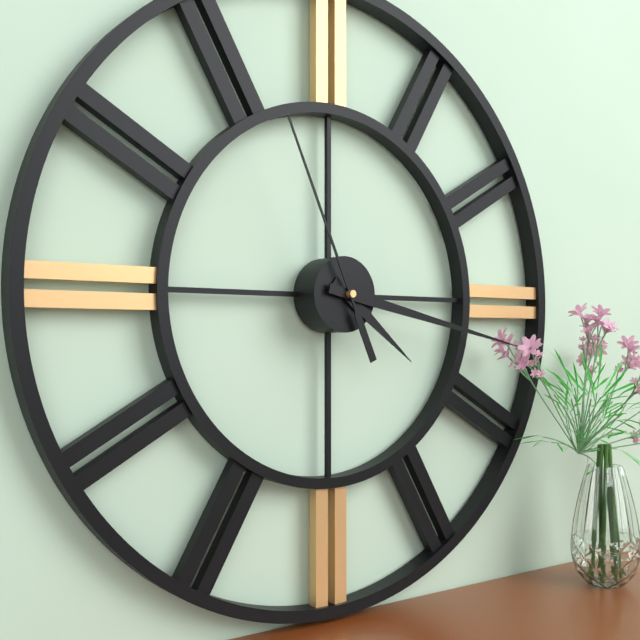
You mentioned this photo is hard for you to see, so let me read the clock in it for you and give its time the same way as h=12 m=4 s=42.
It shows h=4 m=17 s=56
